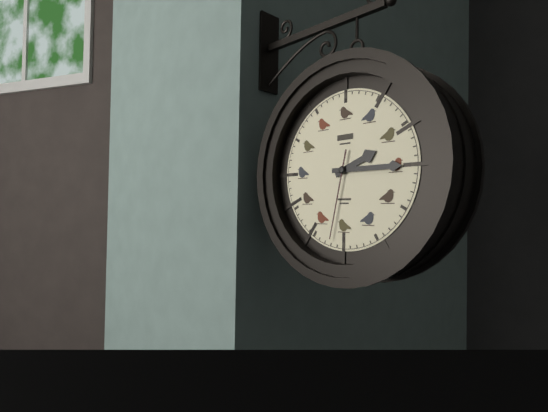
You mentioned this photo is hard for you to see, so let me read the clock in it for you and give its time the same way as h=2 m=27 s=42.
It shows h=2 m=15 s=32
